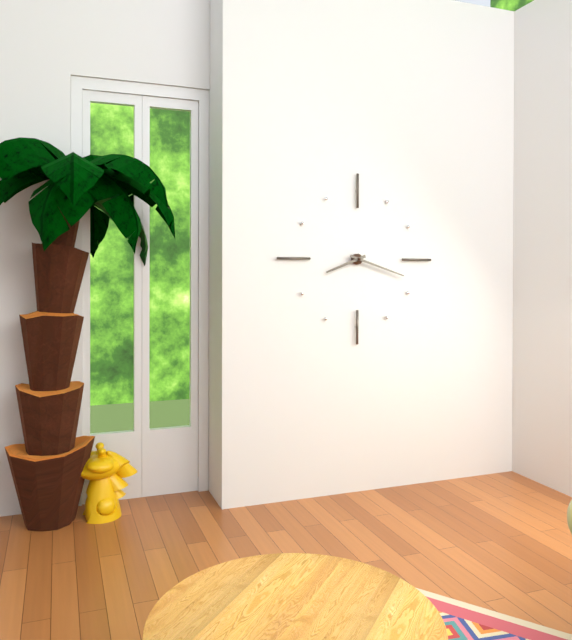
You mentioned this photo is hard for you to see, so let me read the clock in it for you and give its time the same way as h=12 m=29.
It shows h=8 m=18
